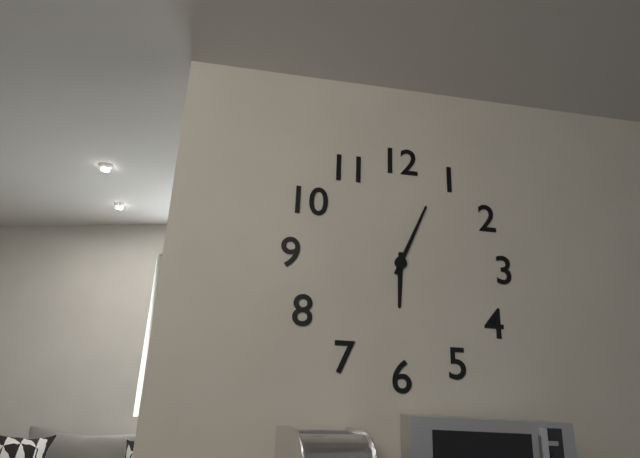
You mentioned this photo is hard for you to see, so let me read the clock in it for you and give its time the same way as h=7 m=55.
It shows h=6 m=4
